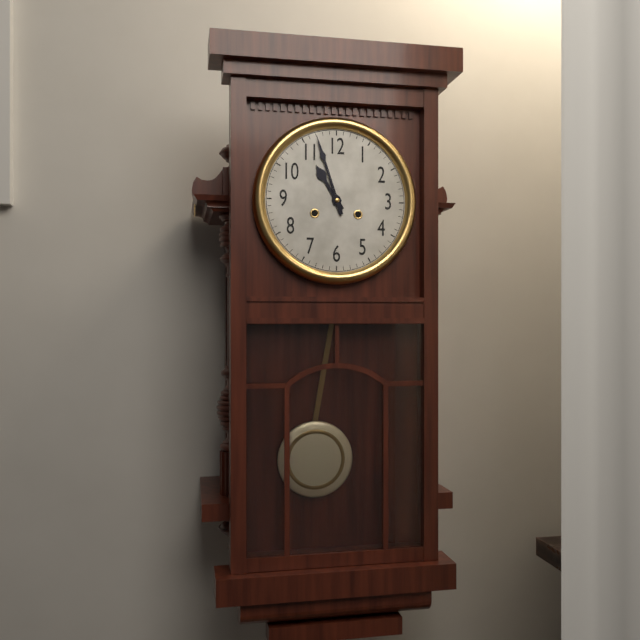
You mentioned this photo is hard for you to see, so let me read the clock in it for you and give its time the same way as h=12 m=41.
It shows h=10 m=57
